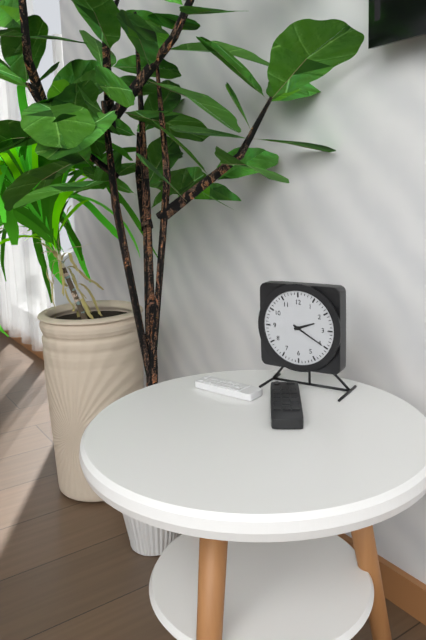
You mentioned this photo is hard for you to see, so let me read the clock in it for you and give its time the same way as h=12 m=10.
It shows h=2 m=20
